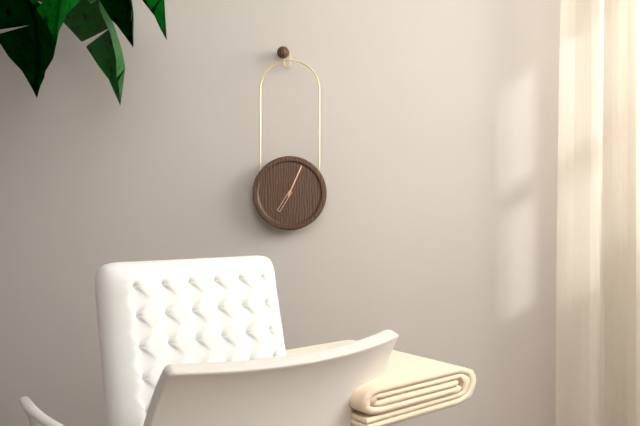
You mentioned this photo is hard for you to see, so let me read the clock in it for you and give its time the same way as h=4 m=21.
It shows h=7 m=4
